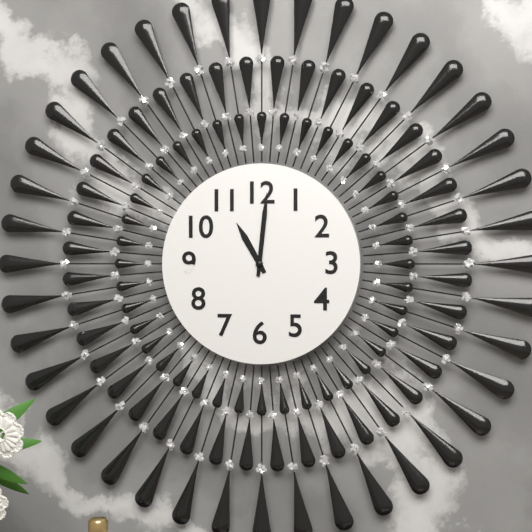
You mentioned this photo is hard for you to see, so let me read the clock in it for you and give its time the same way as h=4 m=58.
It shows h=11 m=1
